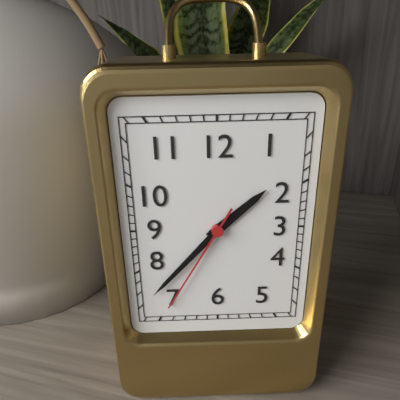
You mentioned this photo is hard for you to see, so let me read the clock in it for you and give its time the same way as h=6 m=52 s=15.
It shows h=1 m=37 s=35
